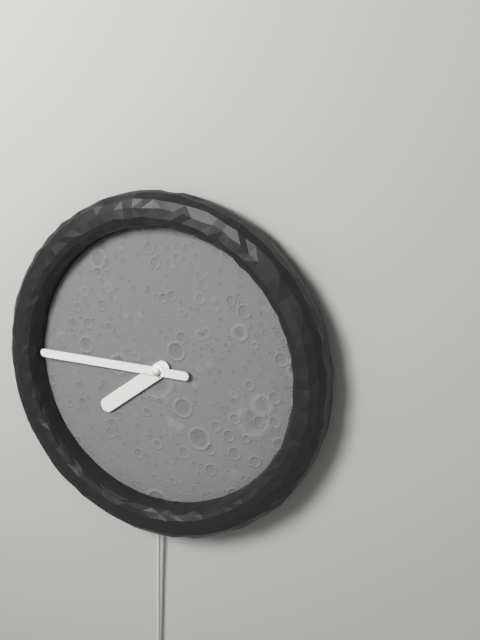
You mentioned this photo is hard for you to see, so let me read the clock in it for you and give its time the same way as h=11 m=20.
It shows h=7 m=45
